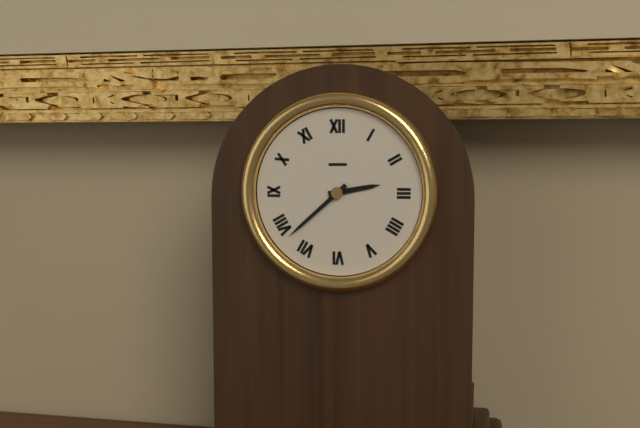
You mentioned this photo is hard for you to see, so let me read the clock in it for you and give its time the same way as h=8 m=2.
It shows h=2 m=38
